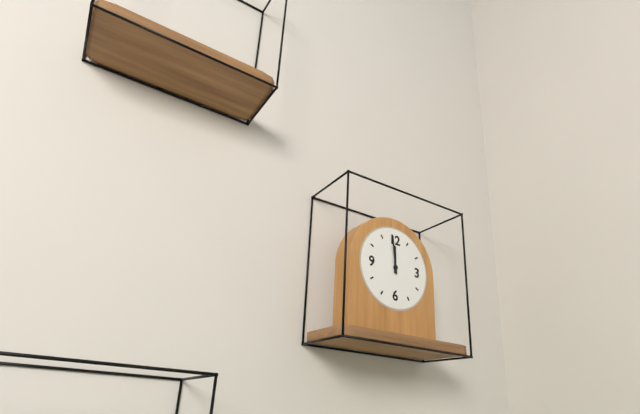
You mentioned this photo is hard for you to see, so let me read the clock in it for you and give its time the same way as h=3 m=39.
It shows h=11 m=59
